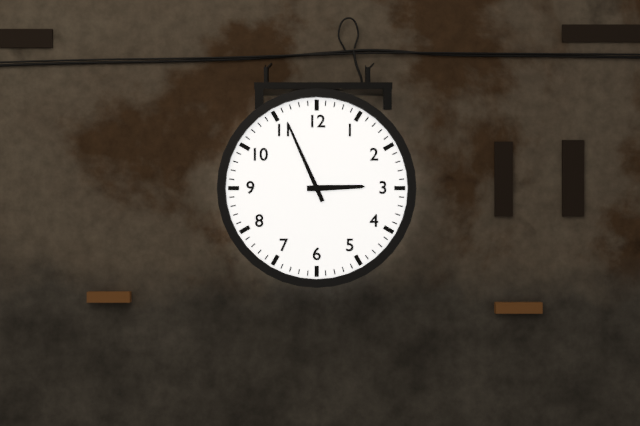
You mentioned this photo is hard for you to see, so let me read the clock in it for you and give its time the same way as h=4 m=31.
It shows h=2 m=56
